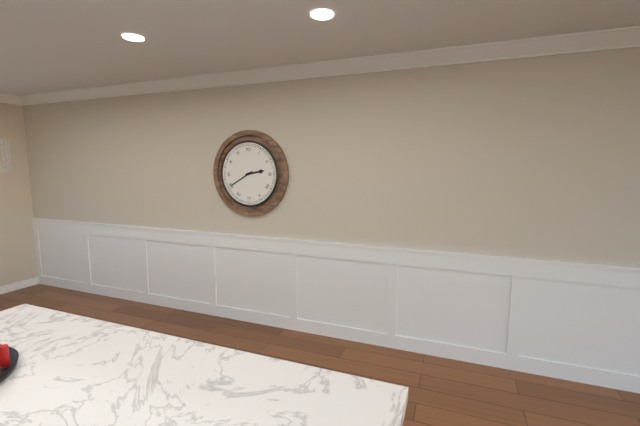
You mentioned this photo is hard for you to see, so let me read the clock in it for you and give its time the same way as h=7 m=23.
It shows h=2 m=40
